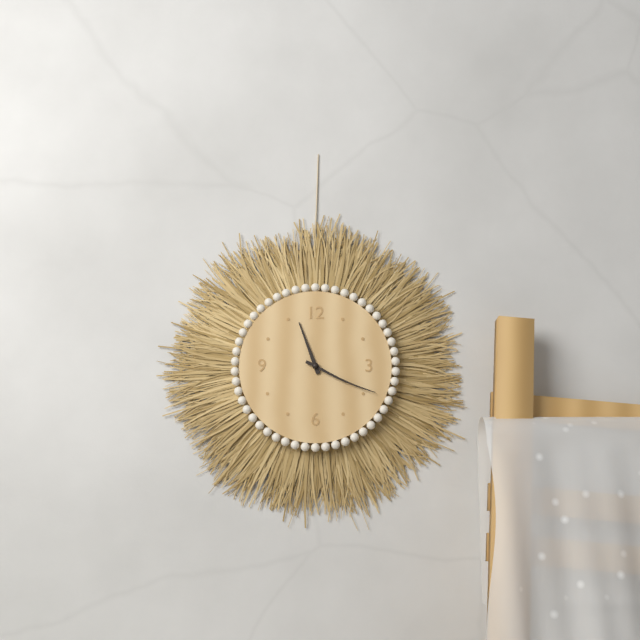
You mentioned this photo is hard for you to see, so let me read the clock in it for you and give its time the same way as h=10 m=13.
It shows h=11 m=19
